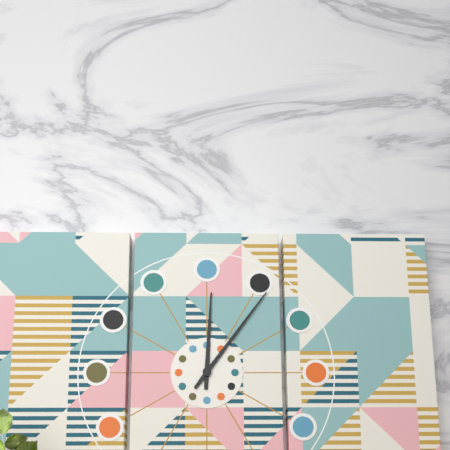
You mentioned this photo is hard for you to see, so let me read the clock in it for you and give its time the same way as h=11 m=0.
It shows h=12 m=6
